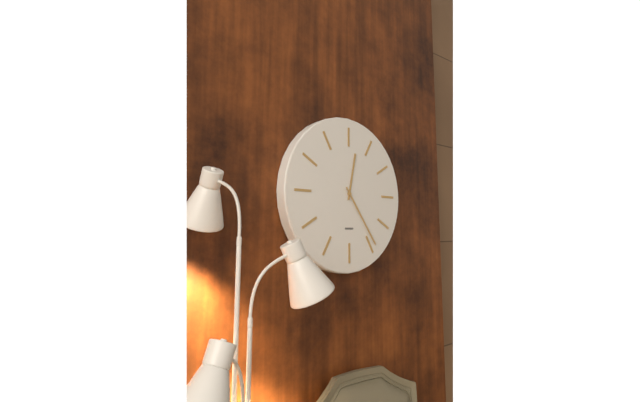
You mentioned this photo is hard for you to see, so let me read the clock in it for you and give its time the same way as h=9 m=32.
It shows h=12 m=24
